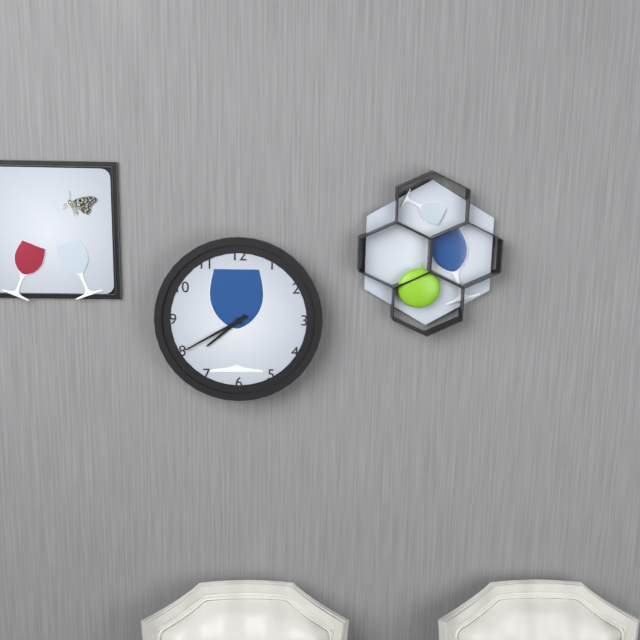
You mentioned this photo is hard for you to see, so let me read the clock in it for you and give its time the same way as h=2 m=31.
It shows h=7 m=40
